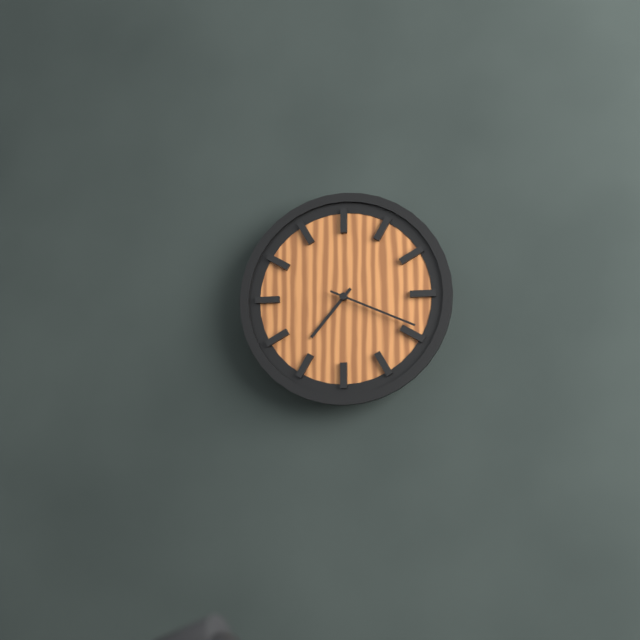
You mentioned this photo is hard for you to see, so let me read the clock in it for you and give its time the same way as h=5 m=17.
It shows h=7 m=19
